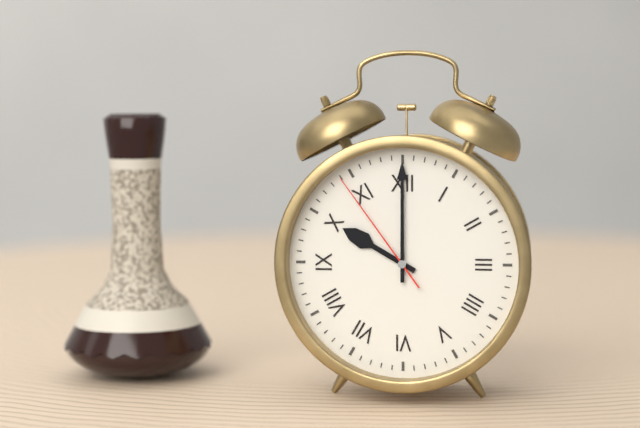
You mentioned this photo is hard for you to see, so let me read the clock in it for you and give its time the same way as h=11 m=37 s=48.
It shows h=10 m=0 s=54
